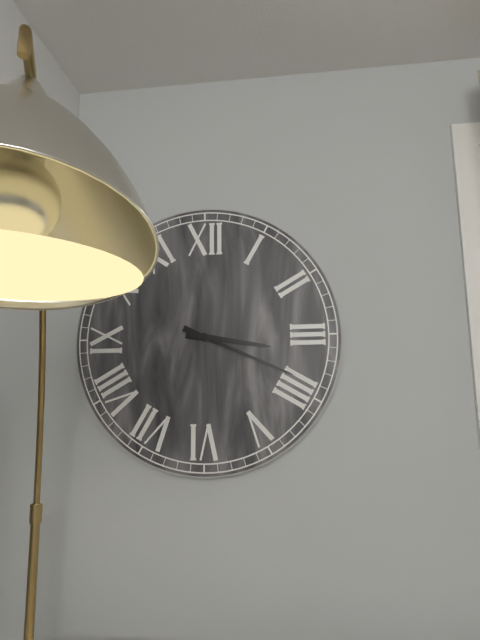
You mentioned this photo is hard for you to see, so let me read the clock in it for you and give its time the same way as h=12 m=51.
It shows h=3 m=19
